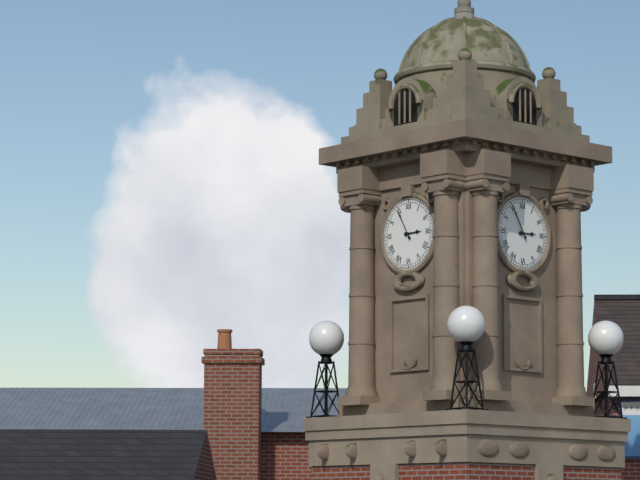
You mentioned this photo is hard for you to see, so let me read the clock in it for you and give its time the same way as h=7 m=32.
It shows h=2 m=55
